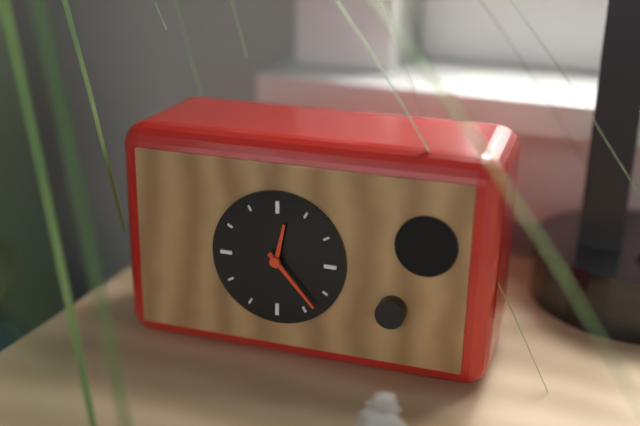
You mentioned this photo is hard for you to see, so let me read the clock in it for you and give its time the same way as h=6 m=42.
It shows h=12 m=23
